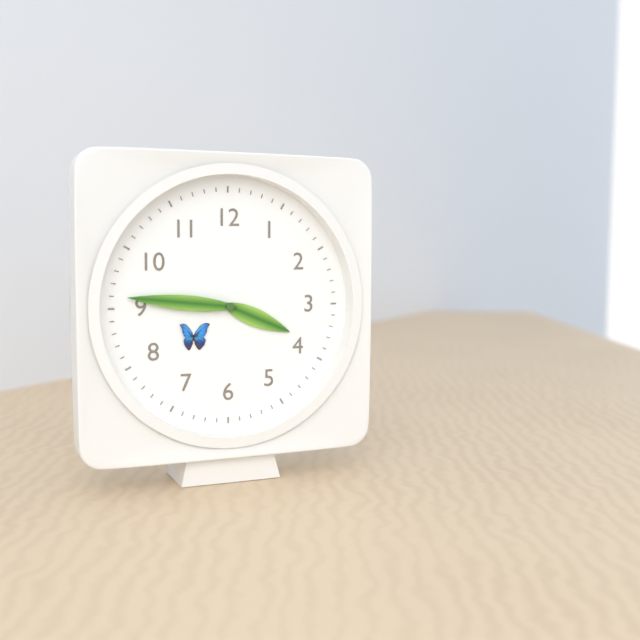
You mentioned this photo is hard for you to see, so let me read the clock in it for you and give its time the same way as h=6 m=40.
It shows h=3 m=46
